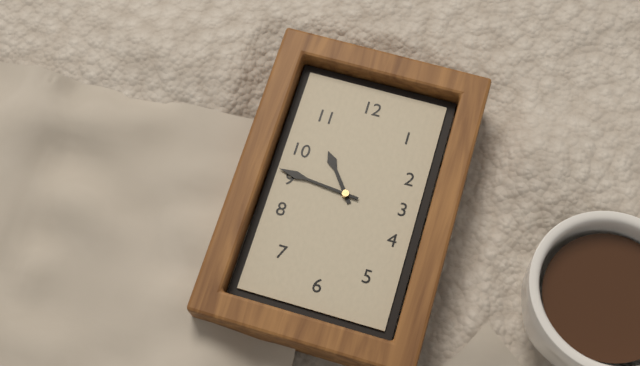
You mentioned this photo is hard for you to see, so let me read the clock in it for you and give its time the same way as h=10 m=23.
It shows h=10 m=46
